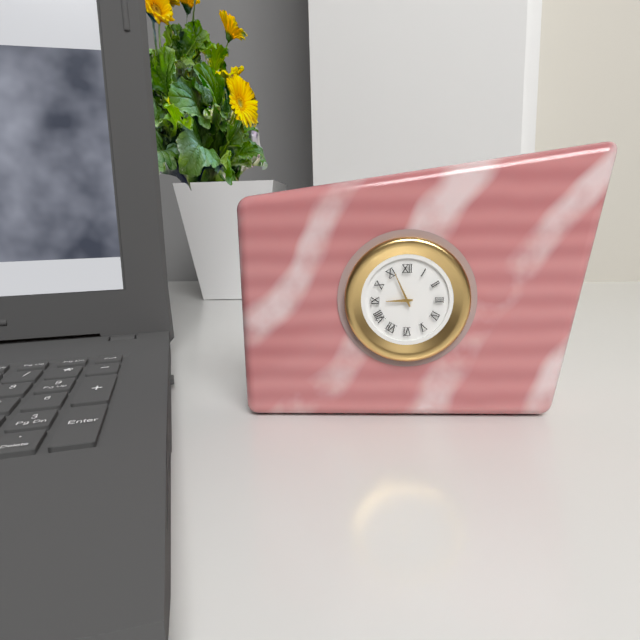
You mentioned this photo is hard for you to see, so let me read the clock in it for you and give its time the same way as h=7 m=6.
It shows h=8 m=56
